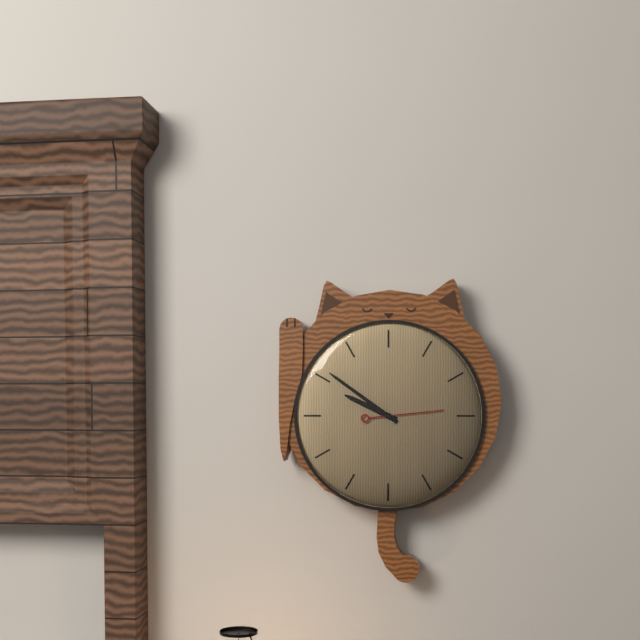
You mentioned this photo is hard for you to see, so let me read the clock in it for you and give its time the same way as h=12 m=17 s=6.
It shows h=9 m=51 s=14
